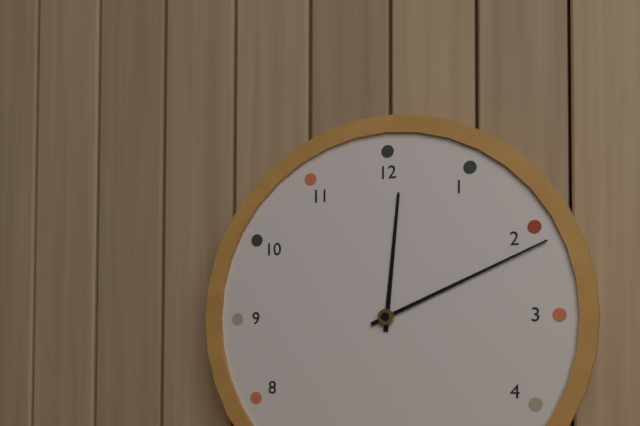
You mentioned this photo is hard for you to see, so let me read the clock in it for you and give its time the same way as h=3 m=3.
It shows h=12 m=11
